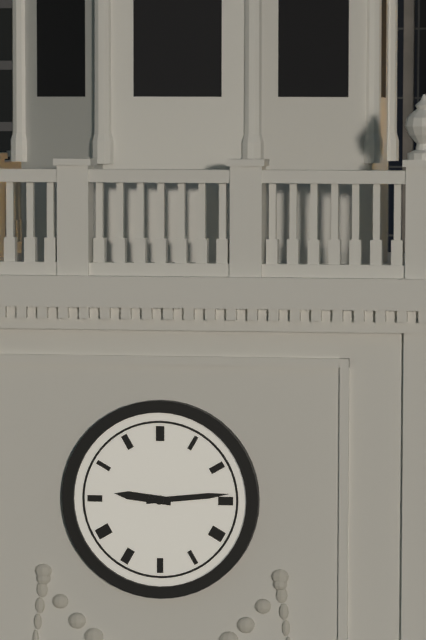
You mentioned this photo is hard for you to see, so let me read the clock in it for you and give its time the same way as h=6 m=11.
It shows h=9 m=14
